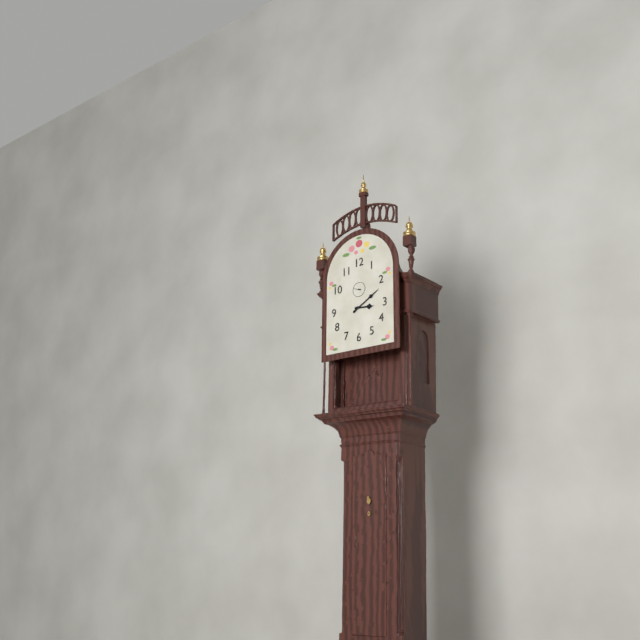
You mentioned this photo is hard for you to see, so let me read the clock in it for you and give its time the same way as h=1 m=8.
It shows h=3 m=10
